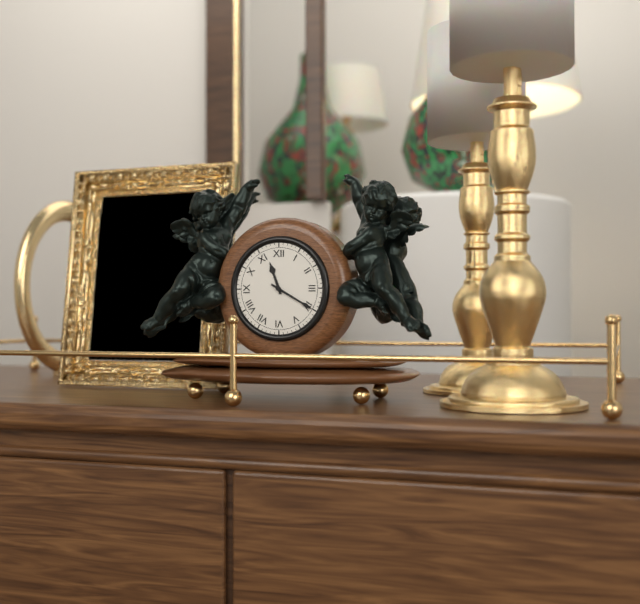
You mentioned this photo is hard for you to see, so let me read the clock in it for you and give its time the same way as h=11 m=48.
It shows h=11 m=20
